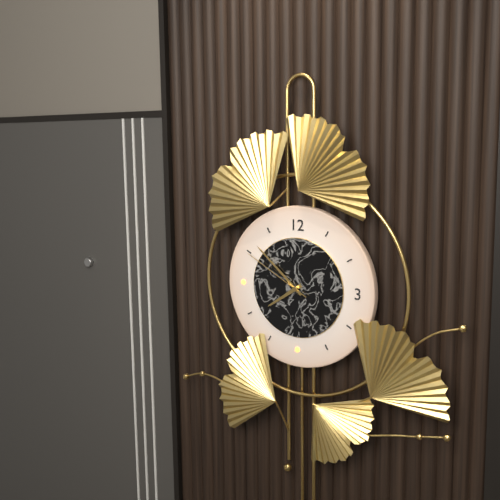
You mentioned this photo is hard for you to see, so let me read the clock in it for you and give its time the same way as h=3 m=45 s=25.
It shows h=7 m=52 s=50
